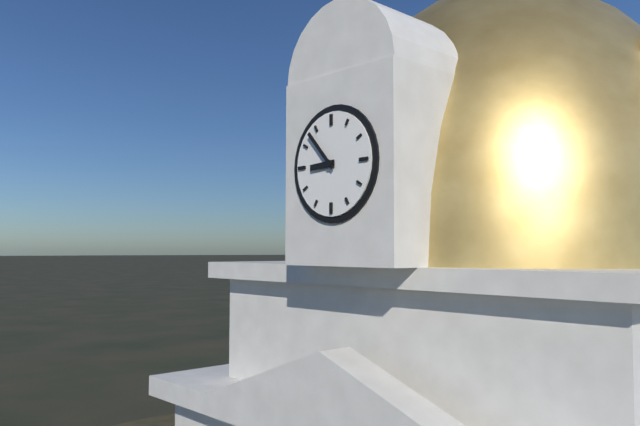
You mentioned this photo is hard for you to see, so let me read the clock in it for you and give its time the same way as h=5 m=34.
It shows h=8 m=53
